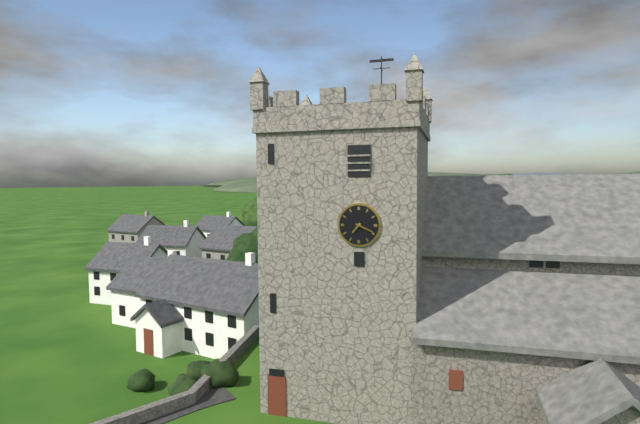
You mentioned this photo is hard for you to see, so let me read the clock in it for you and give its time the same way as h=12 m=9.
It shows h=7 m=19
